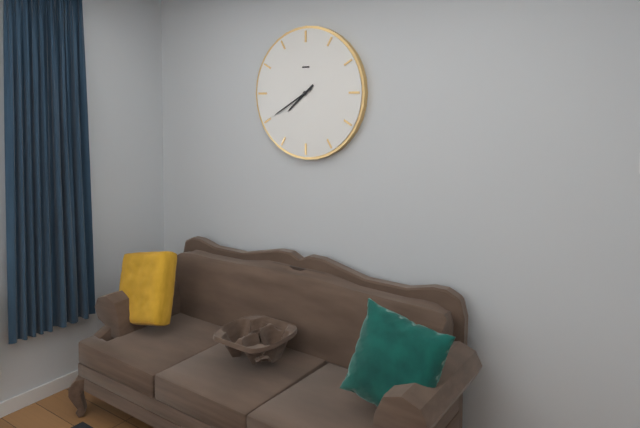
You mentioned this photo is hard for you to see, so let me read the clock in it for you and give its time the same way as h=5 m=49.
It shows h=7 m=40
